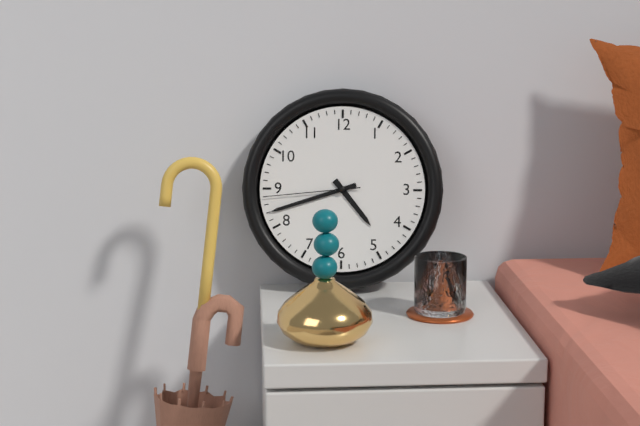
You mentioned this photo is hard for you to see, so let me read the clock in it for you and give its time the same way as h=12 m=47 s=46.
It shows h=4 m=42 s=44
